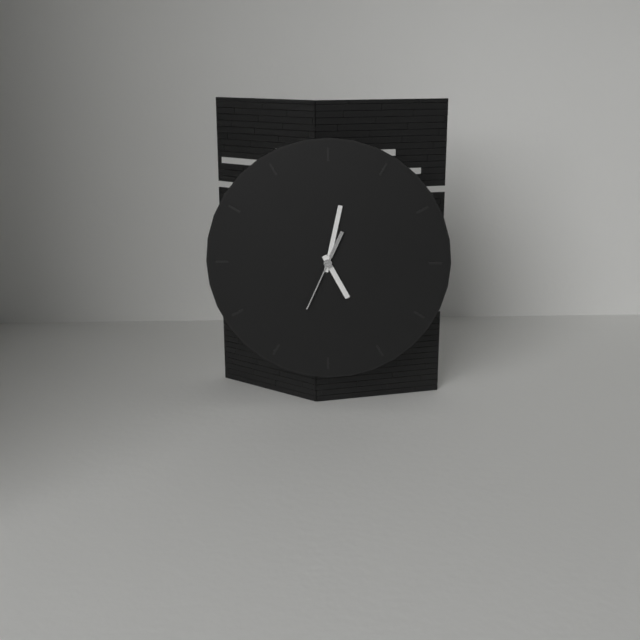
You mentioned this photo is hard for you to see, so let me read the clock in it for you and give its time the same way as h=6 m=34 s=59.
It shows h=5 m=2 s=34
